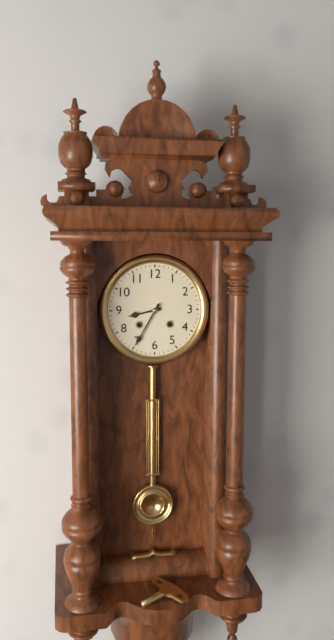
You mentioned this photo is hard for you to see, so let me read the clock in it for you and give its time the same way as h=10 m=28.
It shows h=8 m=35
